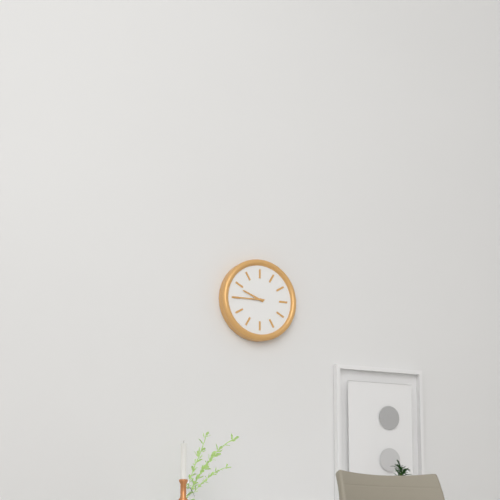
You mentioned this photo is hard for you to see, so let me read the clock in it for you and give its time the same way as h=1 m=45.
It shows h=9 m=45
